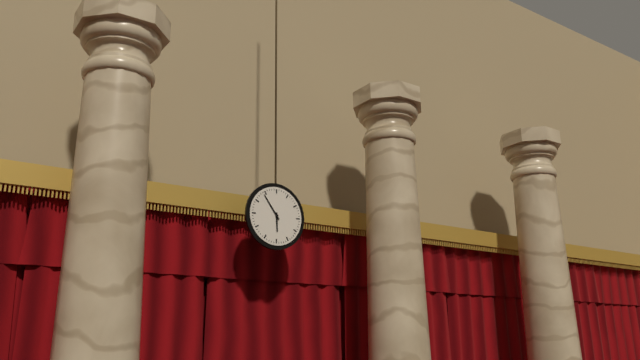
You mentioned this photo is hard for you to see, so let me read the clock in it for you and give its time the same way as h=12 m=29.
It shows h=5 m=54
